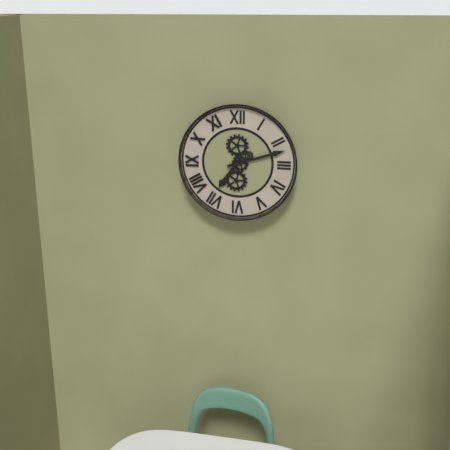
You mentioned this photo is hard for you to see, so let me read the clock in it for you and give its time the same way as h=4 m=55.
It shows h=7 m=12
